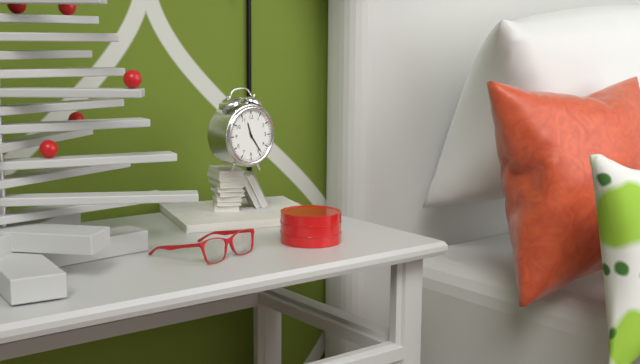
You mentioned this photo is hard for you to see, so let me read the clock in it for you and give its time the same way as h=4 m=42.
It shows h=11 m=24
